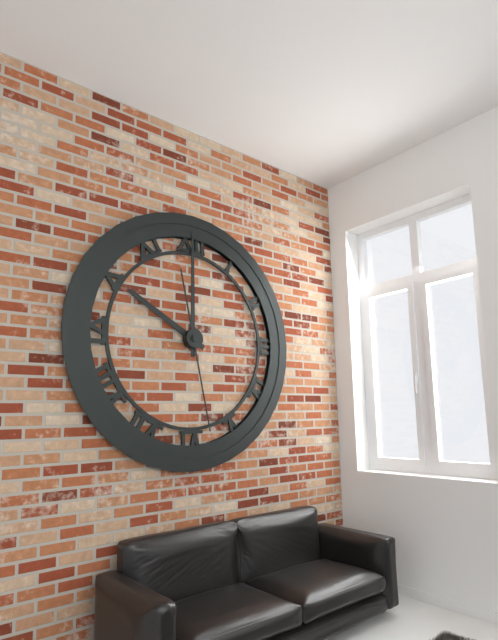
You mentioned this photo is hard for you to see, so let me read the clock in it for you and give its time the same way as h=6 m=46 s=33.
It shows h=10 m=0 s=28
